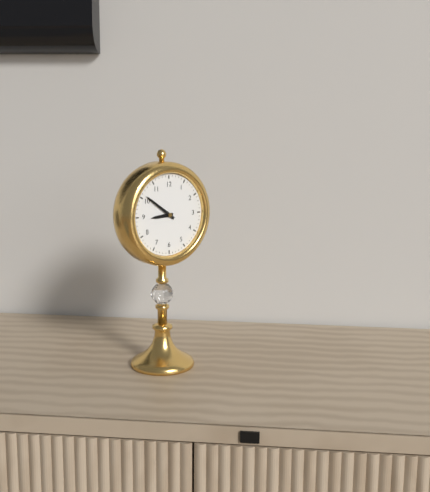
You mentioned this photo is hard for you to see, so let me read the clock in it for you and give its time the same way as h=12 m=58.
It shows h=8 m=51
